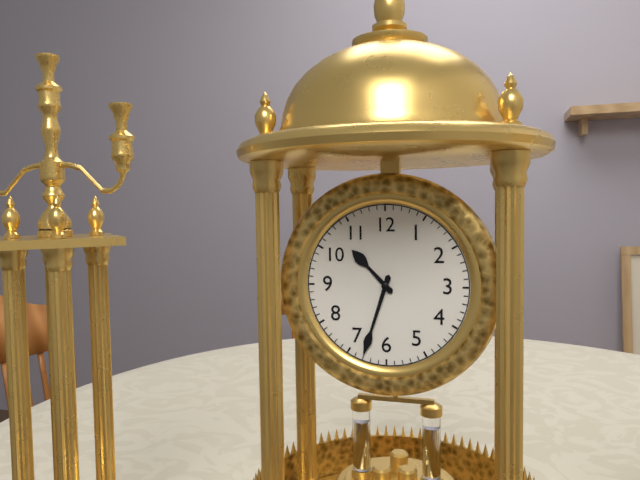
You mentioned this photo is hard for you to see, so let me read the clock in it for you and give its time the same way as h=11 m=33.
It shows h=10 m=33
